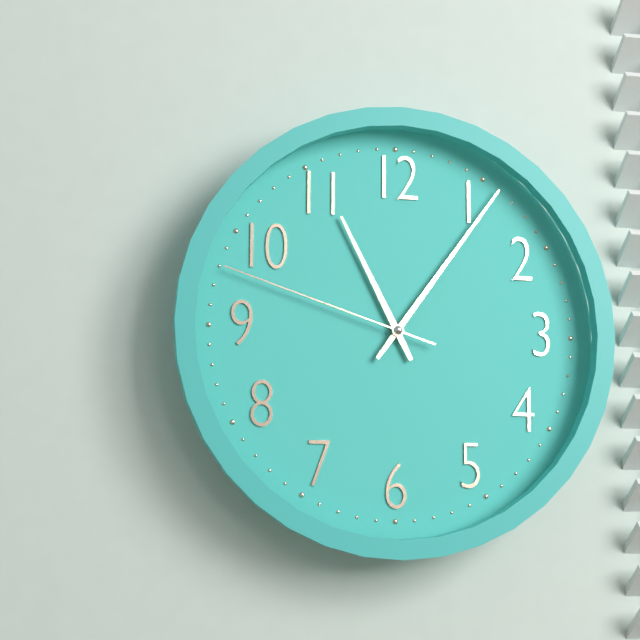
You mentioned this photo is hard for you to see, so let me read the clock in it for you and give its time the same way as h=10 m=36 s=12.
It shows h=11 m=6 s=48
